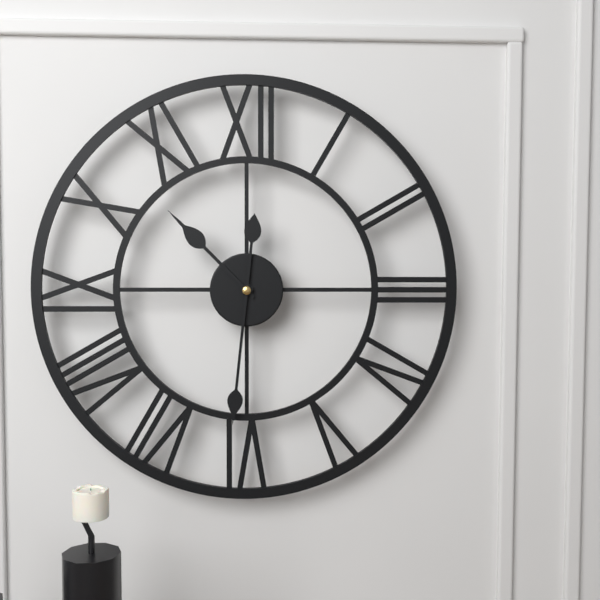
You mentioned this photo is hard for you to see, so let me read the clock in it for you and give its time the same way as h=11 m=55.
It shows h=10 m=31
